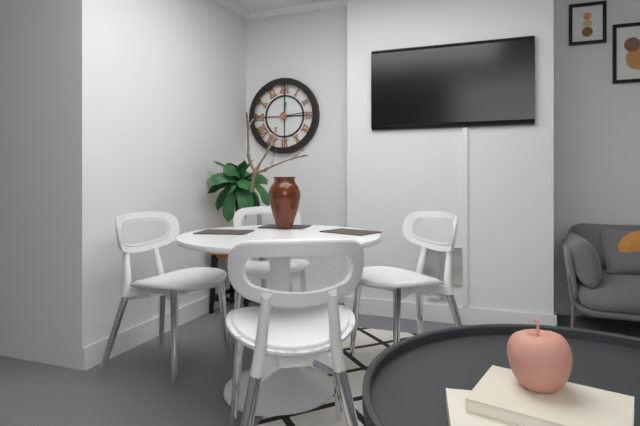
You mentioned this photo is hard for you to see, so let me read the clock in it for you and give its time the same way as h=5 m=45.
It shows h=12 m=14
